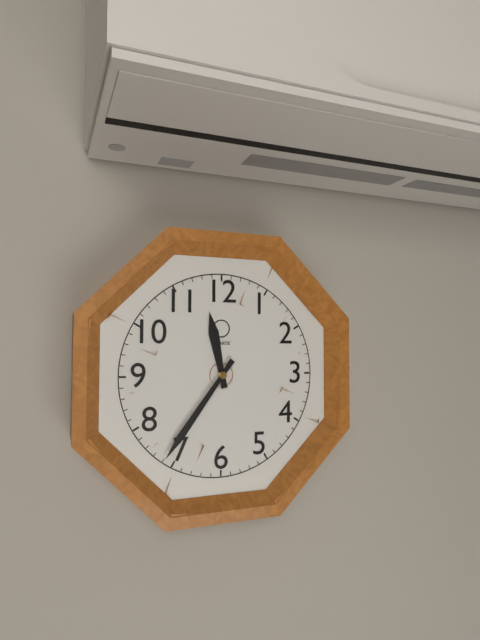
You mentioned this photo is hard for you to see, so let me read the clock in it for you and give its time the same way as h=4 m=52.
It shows h=11 m=36
